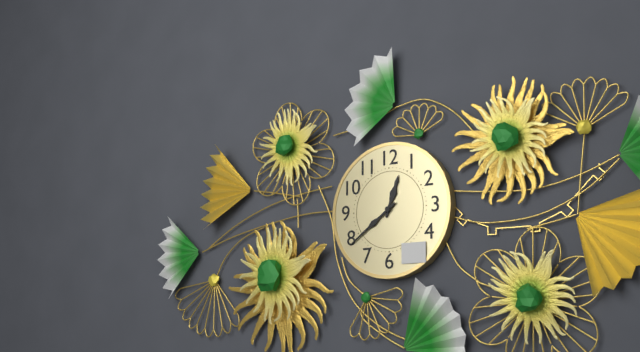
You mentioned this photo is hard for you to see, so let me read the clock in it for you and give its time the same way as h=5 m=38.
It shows h=12 m=39
